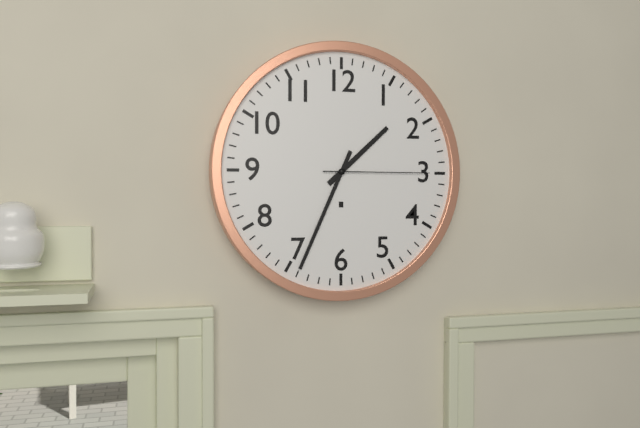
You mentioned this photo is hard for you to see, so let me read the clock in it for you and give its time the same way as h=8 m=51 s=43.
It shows h=1 m=34 s=15
